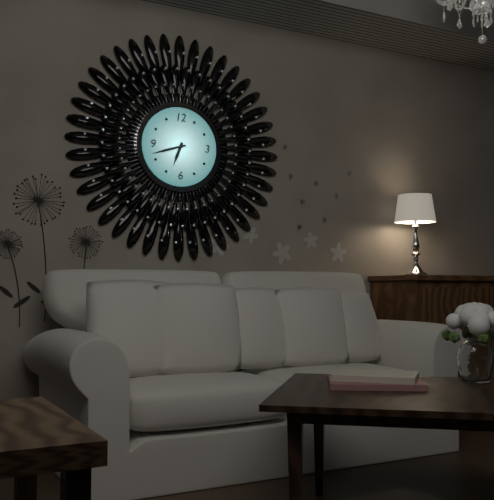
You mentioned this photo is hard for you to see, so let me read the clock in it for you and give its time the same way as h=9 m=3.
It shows h=6 m=42
